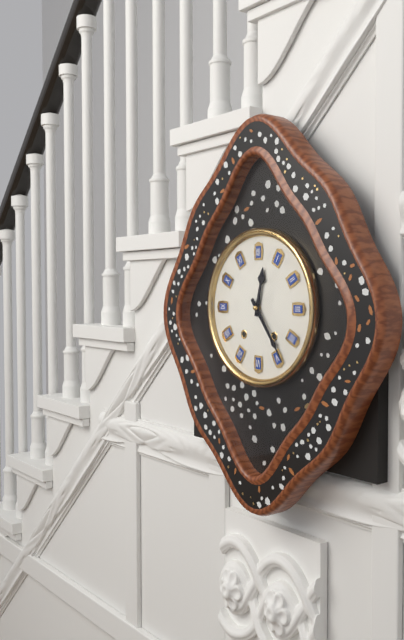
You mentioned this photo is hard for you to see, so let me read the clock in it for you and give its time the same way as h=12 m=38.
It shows h=12 m=24
